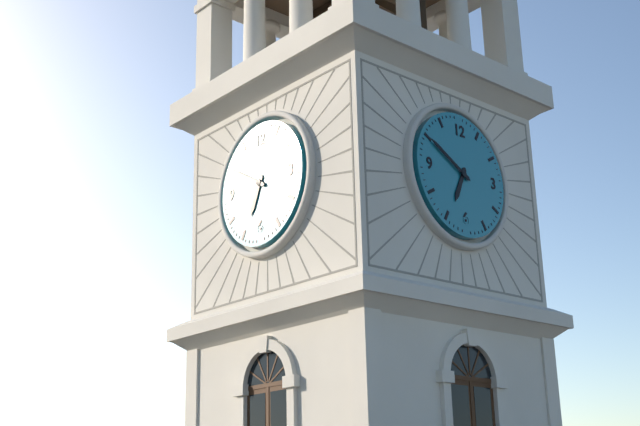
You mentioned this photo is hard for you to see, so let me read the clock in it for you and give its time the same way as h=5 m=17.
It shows h=6 m=50
